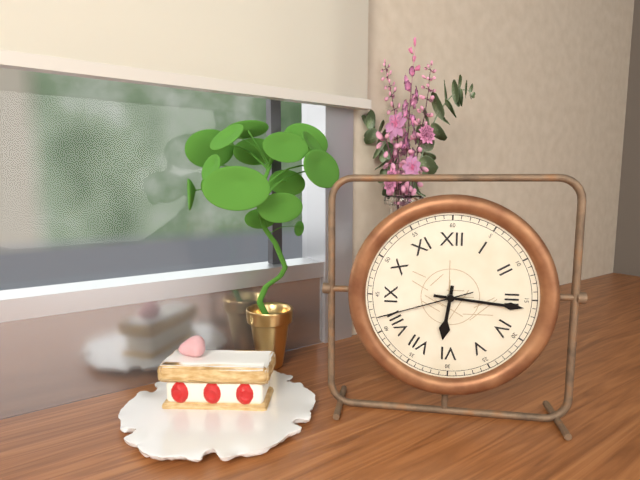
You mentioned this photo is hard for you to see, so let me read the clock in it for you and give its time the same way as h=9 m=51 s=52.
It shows h=6 m=16 s=42
